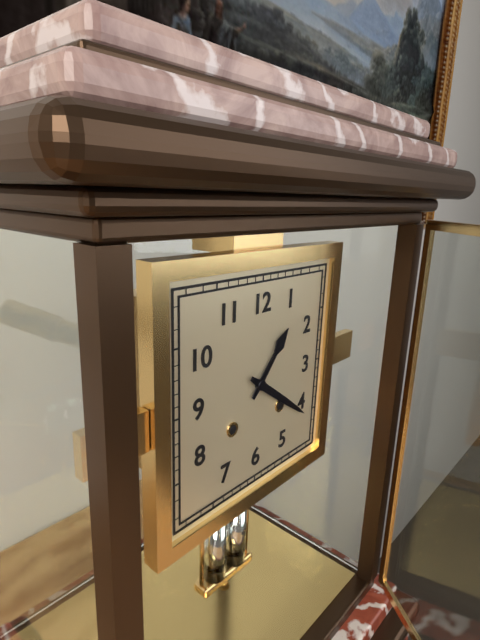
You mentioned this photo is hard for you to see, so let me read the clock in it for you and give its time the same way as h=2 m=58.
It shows h=1 m=21
